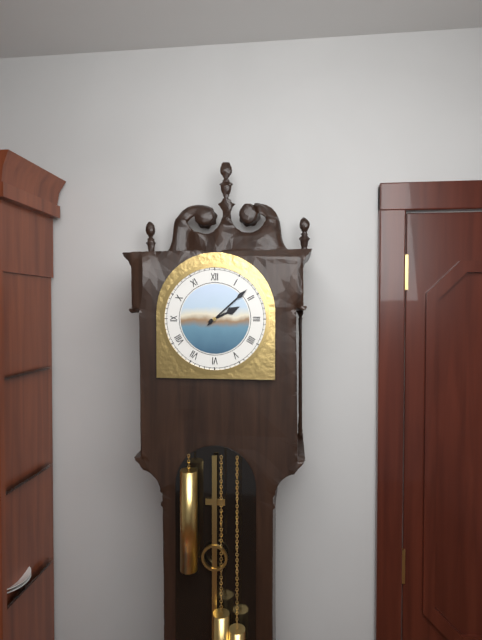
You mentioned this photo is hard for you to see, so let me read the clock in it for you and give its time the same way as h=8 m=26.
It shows h=2 m=8
